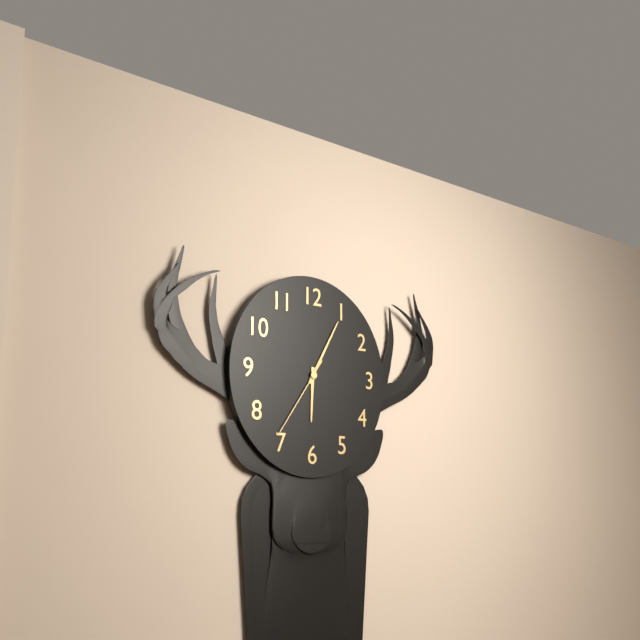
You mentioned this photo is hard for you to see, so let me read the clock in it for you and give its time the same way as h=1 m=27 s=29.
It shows h=6 m=5 s=36
